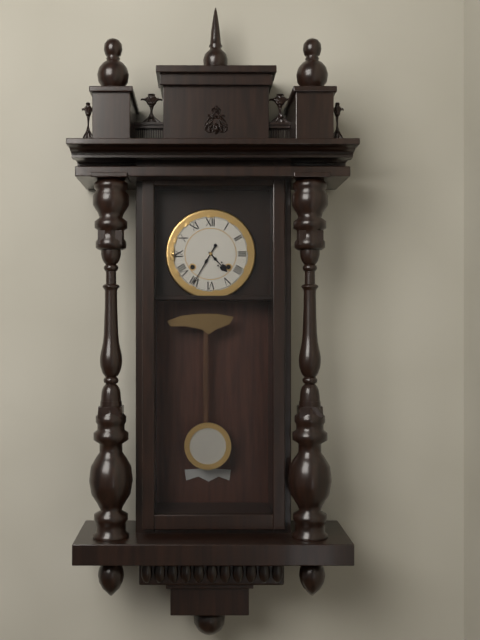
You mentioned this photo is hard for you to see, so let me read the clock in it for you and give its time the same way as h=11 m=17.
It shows h=4 m=35
